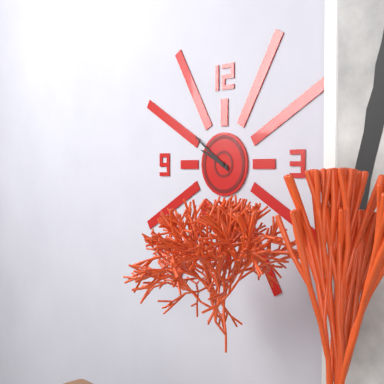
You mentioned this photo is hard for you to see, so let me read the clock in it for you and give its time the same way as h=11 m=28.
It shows h=9 m=51
